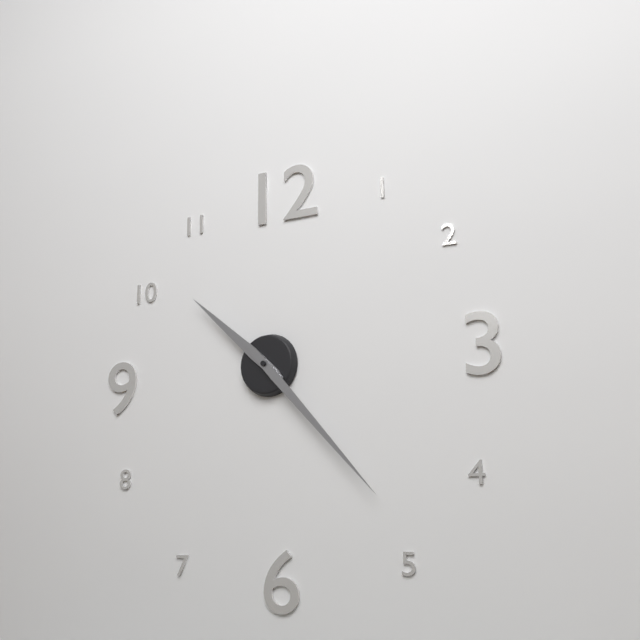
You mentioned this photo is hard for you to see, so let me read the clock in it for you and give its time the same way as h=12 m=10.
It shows h=10 m=23
